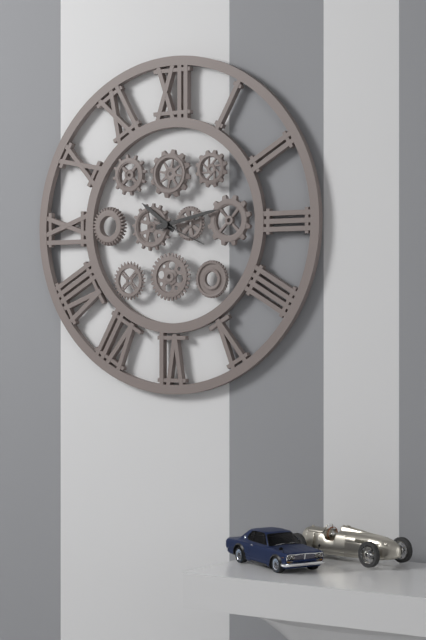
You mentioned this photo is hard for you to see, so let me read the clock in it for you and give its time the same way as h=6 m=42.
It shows h=10 m=13
